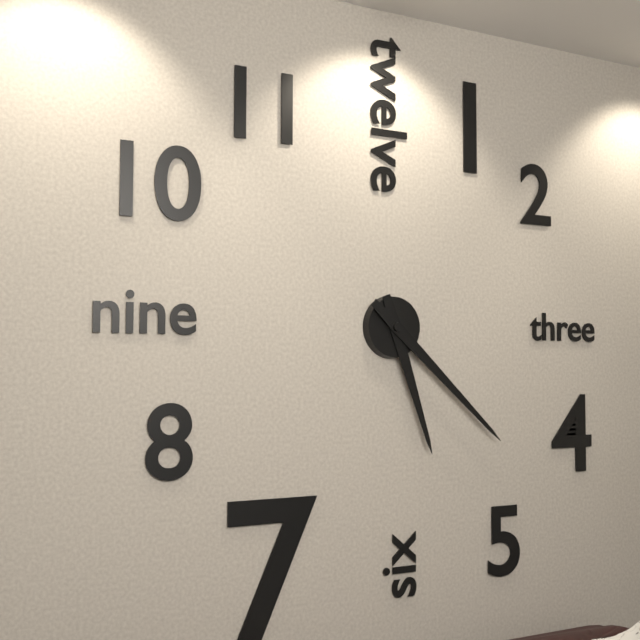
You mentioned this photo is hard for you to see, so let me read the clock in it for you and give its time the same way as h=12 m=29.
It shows h=5 m=22
